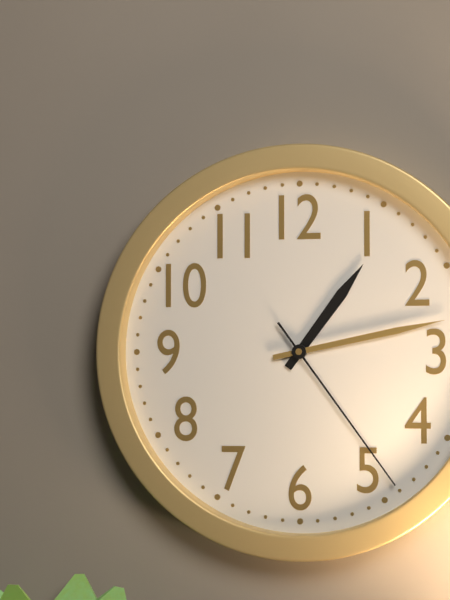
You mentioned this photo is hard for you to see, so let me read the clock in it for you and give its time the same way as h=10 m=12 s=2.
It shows h=1 m=13 s=24
